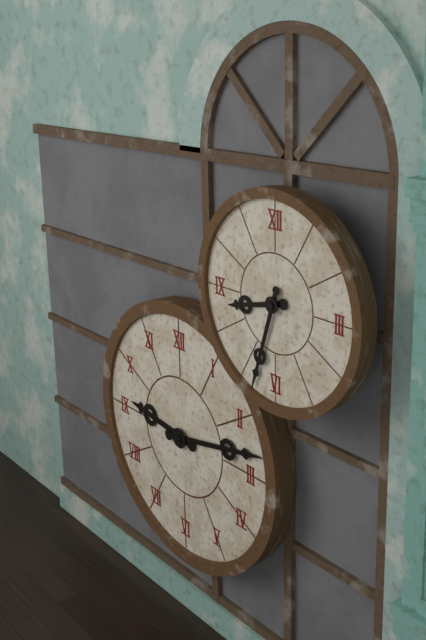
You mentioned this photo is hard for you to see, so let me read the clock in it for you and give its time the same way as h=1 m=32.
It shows h=8 m=33
